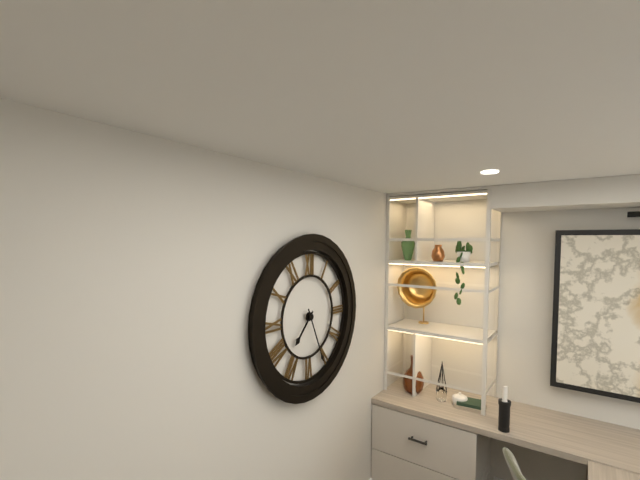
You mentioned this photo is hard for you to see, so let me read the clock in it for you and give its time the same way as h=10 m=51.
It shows h=7 m=26
